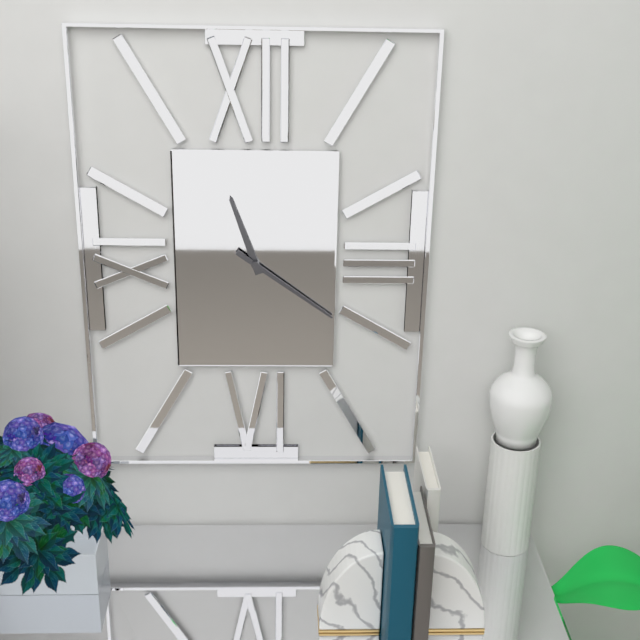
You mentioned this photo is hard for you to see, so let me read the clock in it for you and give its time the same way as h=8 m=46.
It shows h=11 m=21
